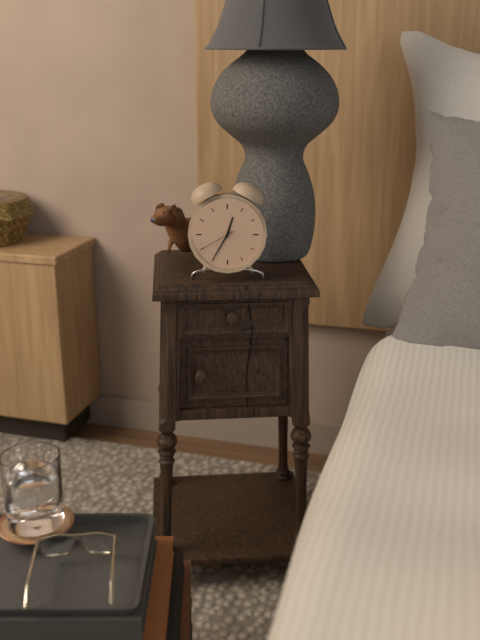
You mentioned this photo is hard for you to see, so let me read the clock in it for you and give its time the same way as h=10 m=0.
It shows h=12 m=35
